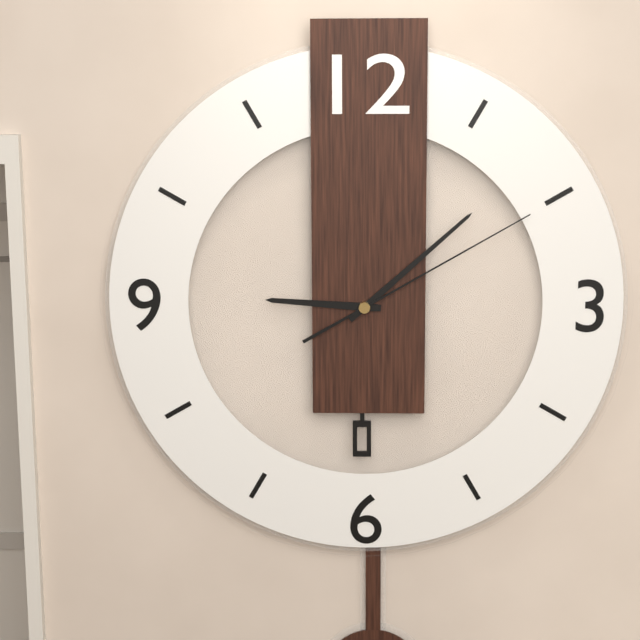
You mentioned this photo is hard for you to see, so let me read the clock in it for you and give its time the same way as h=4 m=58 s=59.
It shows h=9 m=8 s=10
